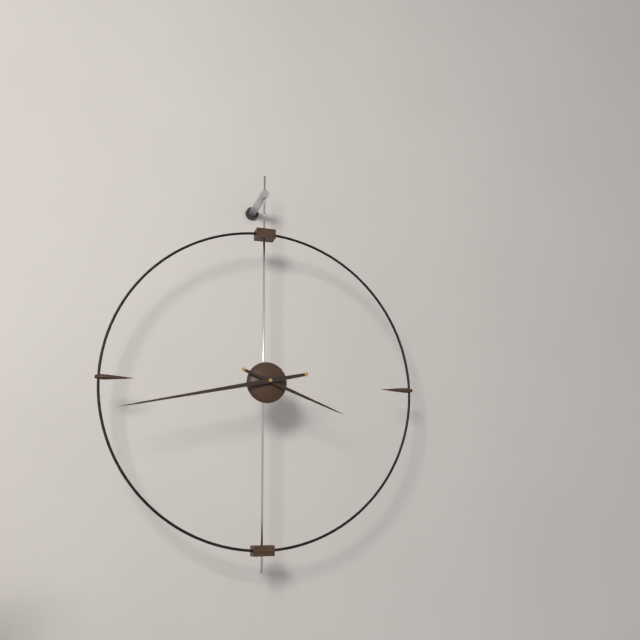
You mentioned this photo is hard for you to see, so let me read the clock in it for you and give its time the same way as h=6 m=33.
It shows h=3 m=43
